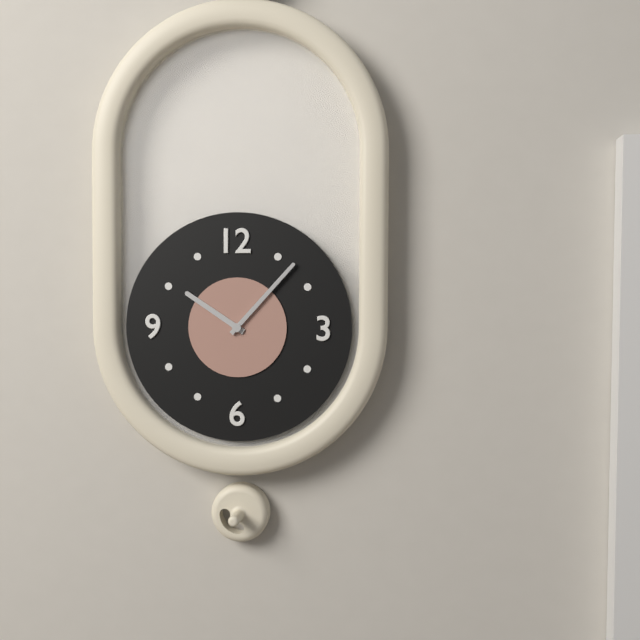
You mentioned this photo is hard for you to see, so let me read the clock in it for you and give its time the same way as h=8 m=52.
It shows h=10 m=7
